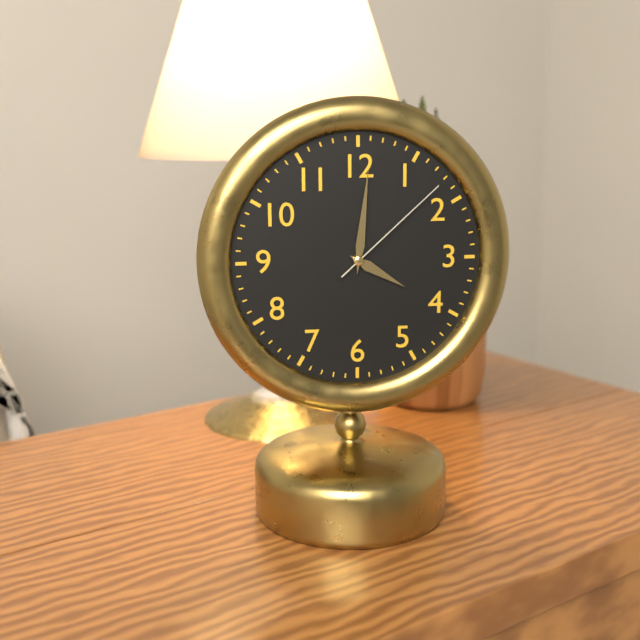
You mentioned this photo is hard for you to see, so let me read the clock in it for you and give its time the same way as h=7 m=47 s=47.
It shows h=4 m=1 s=8
